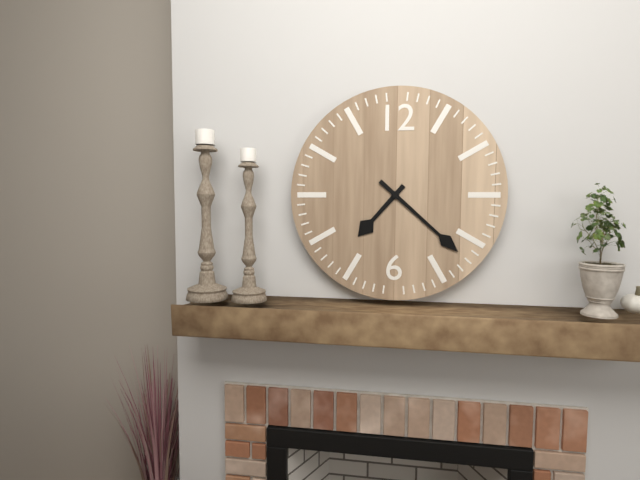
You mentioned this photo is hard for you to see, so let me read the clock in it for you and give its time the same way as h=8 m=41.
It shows h=7 m=22
